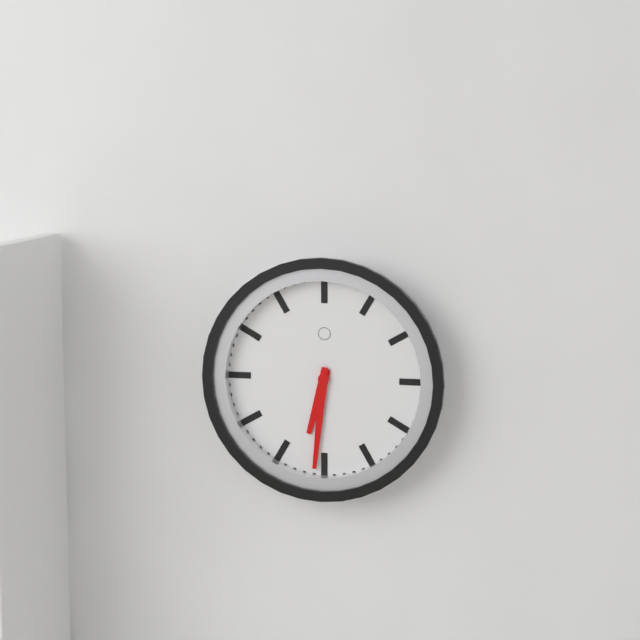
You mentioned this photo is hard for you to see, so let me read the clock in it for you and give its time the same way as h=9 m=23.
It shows h=6 m=31
